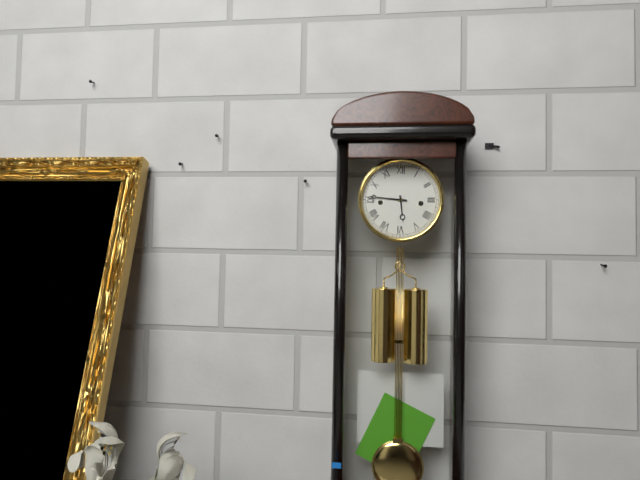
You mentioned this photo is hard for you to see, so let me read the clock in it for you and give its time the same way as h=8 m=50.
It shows h=5 m=46
